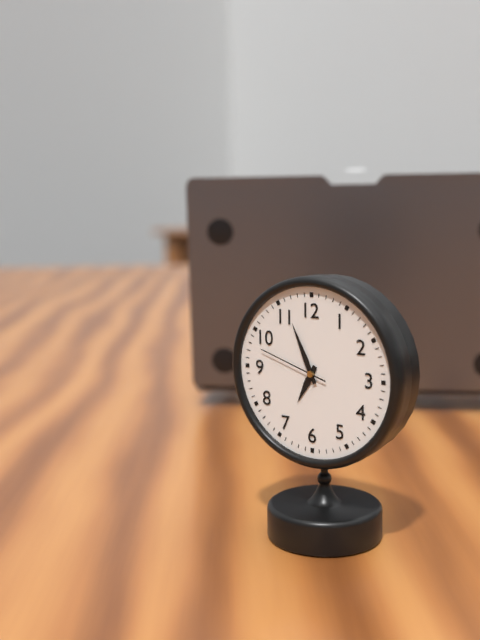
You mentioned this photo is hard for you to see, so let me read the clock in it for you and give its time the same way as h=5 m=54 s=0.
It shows h=6 m=56 s=48
